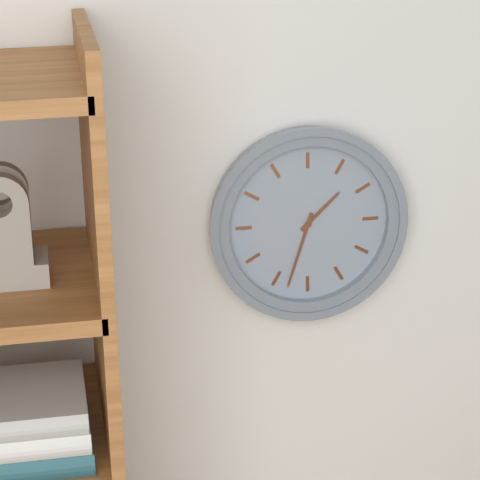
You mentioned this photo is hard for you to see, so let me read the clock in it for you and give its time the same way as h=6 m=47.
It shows h=1 m=33
